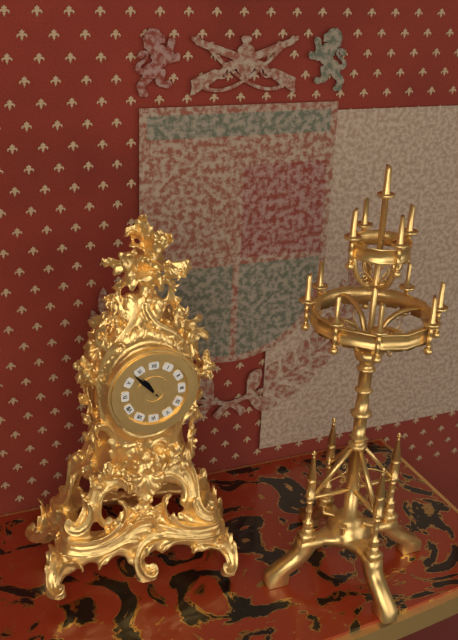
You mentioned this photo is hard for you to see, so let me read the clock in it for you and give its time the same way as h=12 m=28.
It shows h=10 m=53
